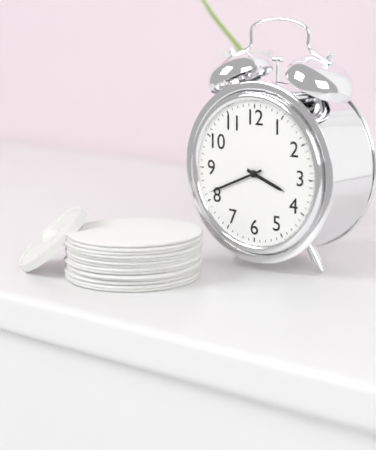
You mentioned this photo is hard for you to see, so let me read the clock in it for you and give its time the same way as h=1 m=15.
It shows h=3 m=41
